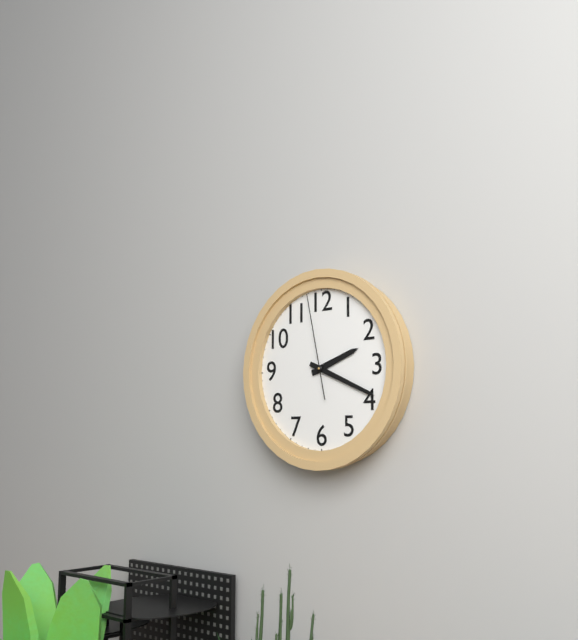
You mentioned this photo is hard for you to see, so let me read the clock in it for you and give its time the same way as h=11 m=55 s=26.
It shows h=2 m=19 s=58
